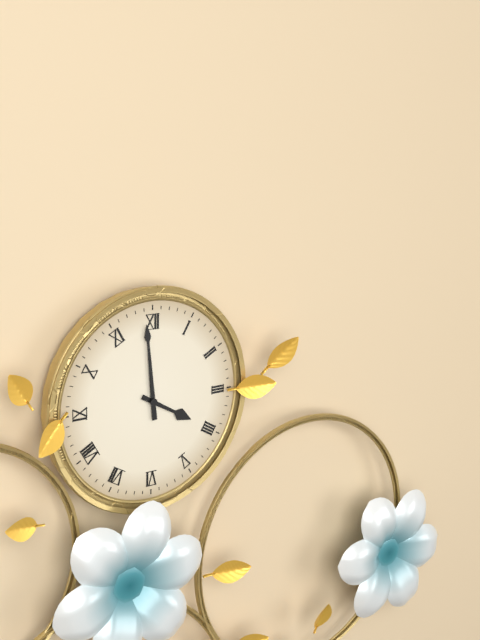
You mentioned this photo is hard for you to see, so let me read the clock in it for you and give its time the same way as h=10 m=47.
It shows h=3 m=59
